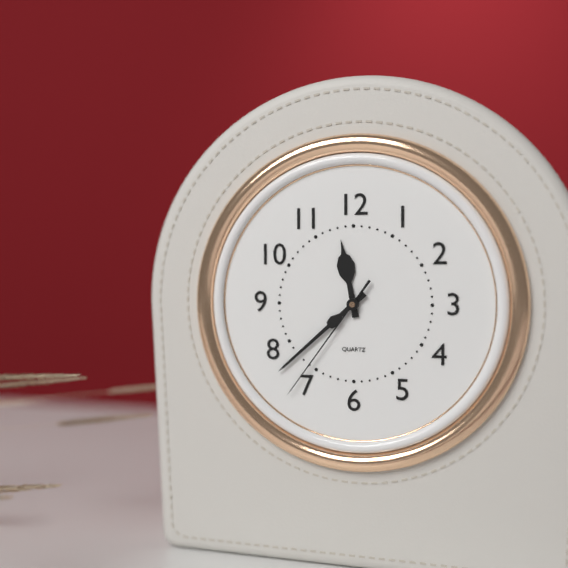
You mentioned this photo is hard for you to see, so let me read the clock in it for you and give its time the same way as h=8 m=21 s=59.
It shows h=11 m=38 s=36
